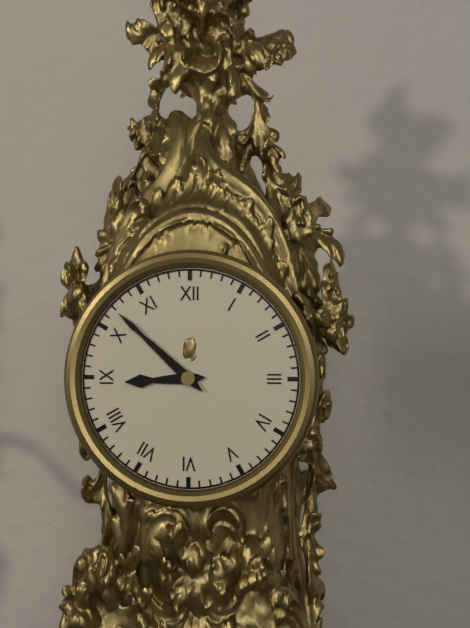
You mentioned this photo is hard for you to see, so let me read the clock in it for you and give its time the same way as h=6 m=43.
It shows h=8 m=52
